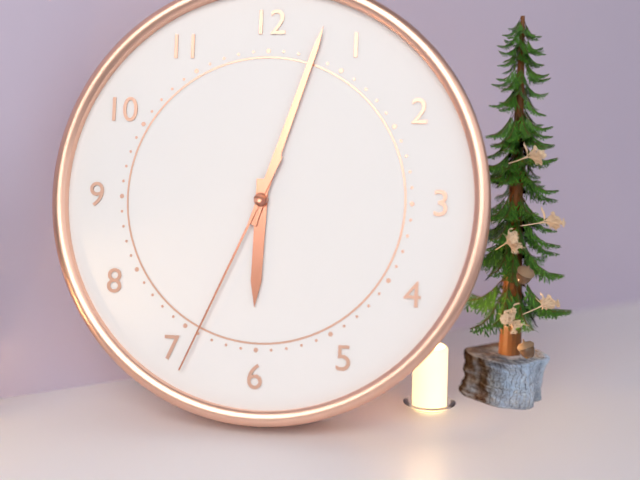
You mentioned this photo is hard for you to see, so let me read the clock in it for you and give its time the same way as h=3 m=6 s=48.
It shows h=6 m=3 s=34
